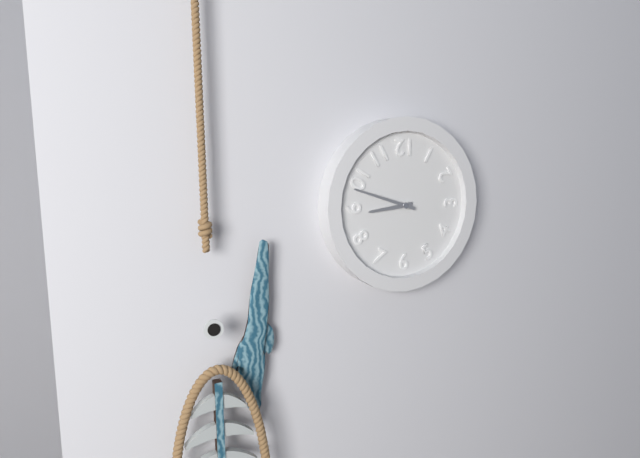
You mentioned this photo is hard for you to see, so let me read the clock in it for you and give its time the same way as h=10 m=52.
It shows h=8 m=48
